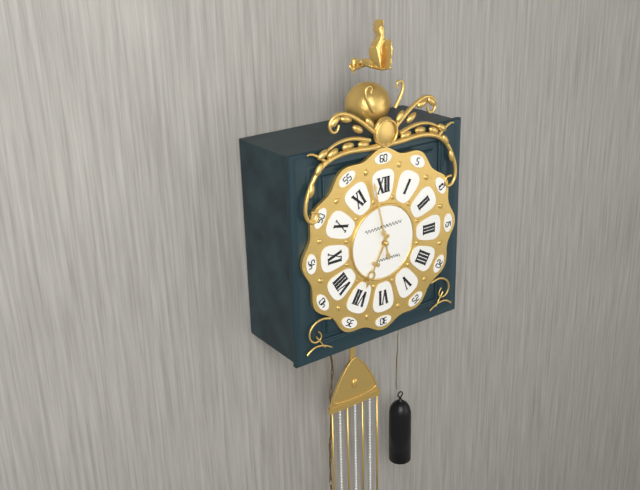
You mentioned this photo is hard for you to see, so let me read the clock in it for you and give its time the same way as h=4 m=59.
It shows h=6 m=58
